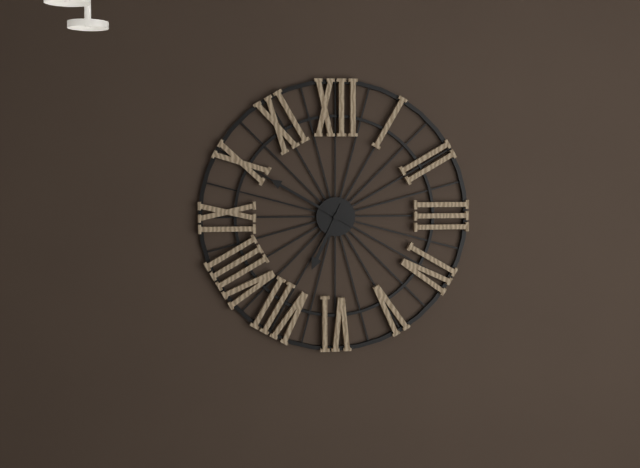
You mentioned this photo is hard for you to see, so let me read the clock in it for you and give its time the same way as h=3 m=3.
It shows h=6 m=50
